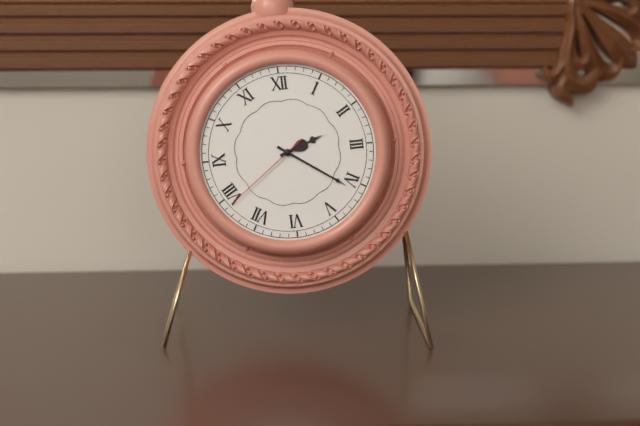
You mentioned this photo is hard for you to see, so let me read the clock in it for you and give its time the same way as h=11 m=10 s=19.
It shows h=2 m=21 s=39
